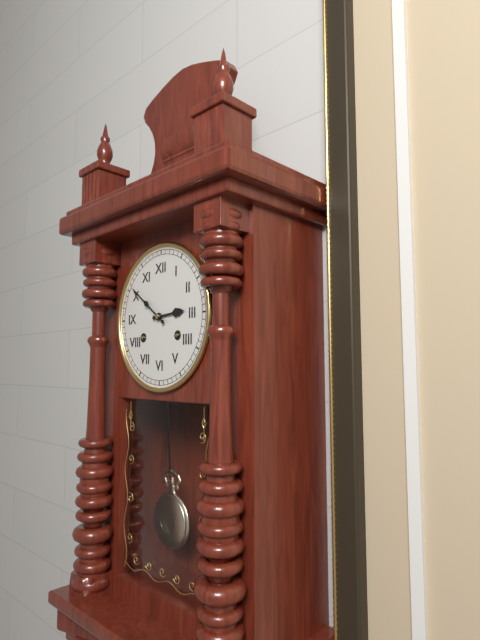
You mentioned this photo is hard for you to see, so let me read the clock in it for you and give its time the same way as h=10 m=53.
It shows h=2 m=51
